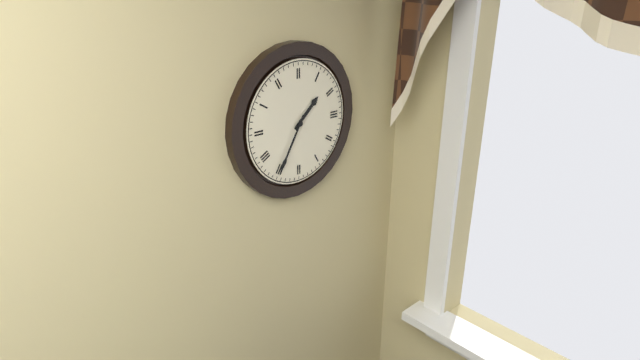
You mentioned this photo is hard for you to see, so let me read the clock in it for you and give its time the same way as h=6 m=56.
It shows h=1 m=35
